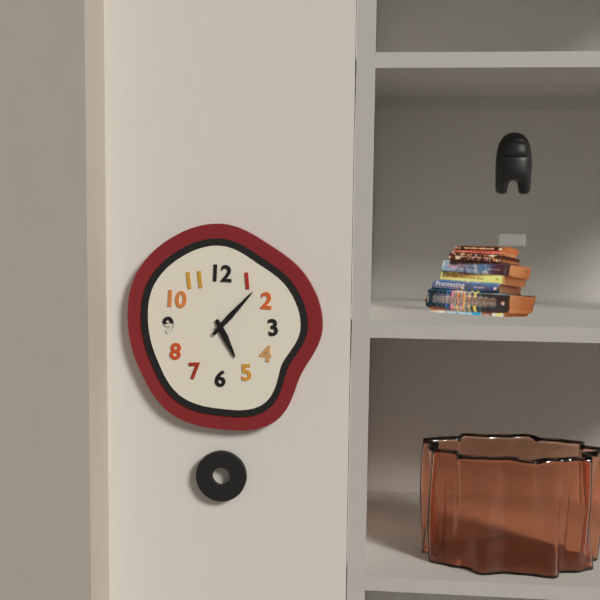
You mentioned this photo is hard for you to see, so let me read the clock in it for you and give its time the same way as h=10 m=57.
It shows h=5 m=7
